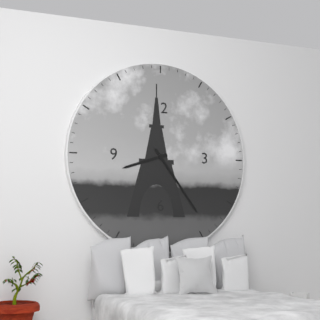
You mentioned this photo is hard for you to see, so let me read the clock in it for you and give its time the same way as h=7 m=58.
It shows h=8 m=24
